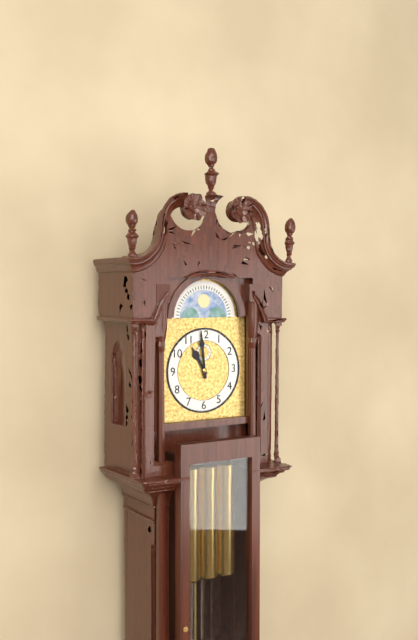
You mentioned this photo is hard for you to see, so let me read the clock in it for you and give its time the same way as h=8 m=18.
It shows h=10 m=59
